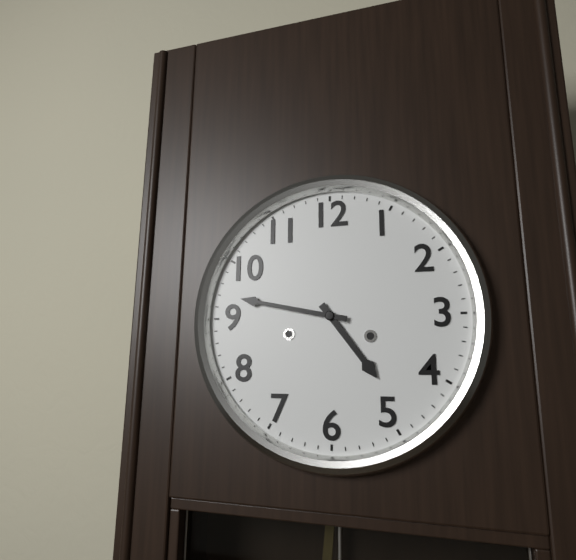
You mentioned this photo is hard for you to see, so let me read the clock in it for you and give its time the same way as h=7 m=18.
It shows h=4 m=47
